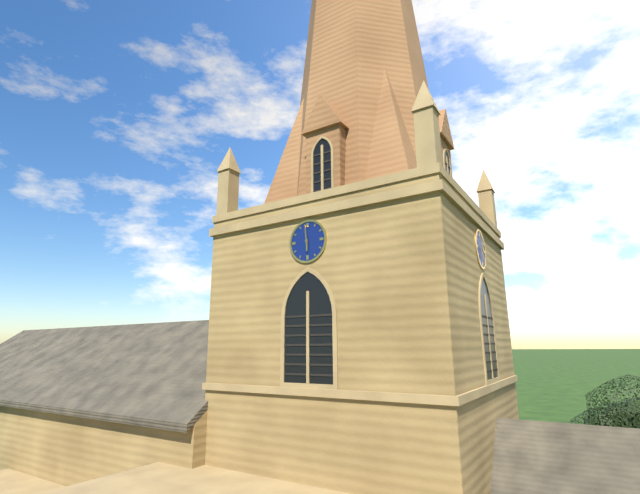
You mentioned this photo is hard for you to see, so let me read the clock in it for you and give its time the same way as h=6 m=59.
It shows h=5 m=59
